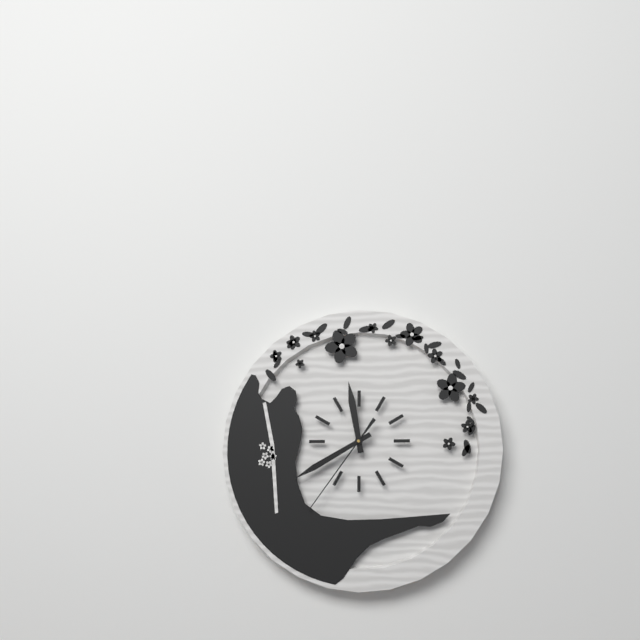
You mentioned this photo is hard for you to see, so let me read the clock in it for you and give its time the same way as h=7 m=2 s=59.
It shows h=11 m=40 s=36
